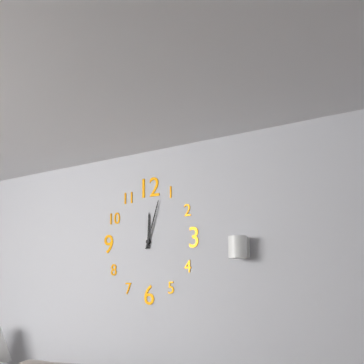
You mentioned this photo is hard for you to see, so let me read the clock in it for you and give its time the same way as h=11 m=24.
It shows h=12 m=3
